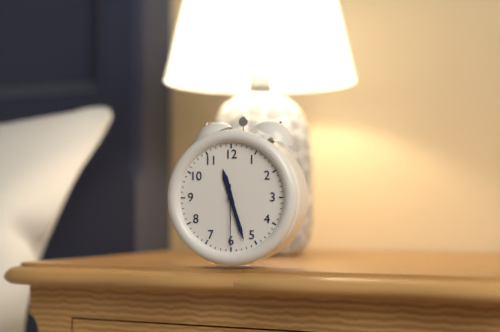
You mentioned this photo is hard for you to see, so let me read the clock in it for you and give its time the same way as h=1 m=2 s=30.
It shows h=11 m=27 s=30
